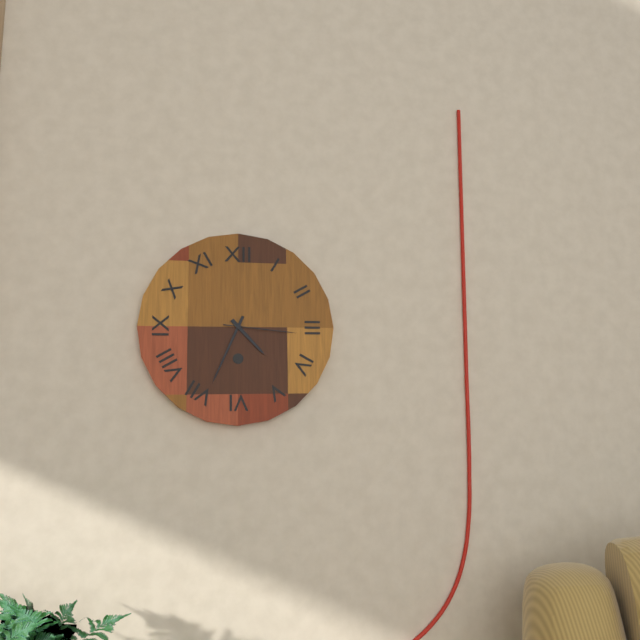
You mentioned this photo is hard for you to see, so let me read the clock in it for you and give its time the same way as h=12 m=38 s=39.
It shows h=4 m=34 s=16
